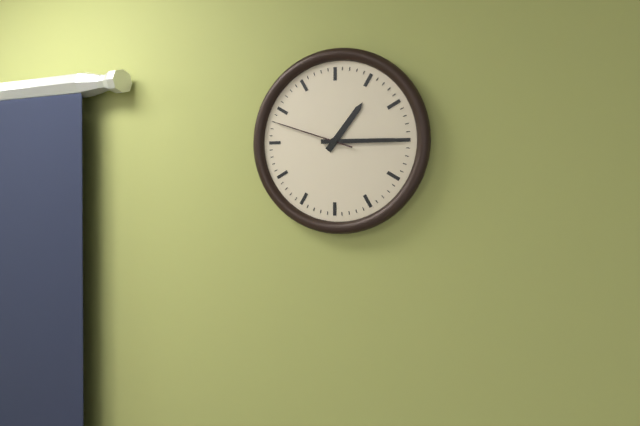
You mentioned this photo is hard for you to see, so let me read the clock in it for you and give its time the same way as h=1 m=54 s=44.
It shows h=1 m=15 s=48
